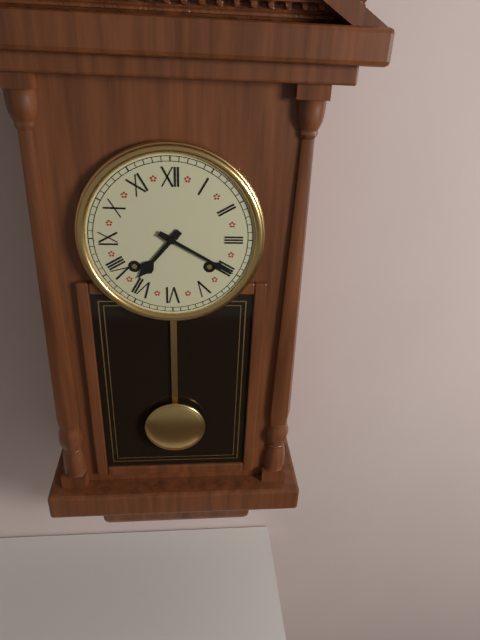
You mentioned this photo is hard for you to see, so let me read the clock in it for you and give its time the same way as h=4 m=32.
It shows h=7 m=20
